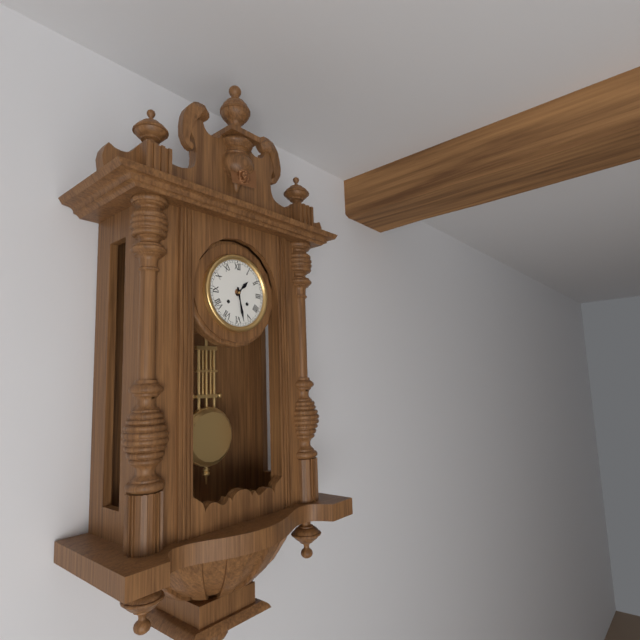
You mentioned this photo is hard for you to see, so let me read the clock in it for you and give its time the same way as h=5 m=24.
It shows h=1 m=28
